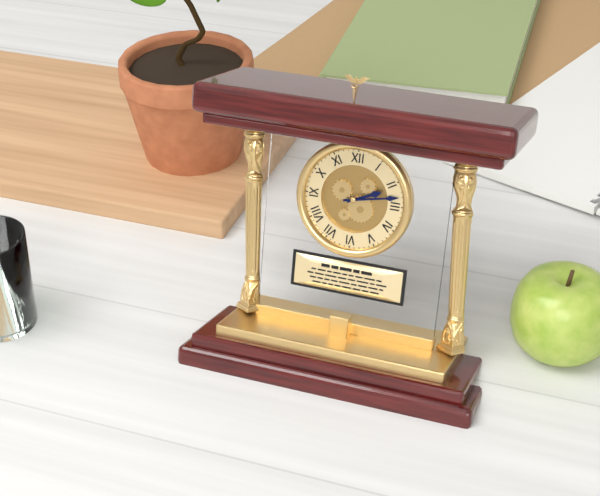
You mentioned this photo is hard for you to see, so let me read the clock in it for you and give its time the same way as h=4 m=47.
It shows h=2 m=13
